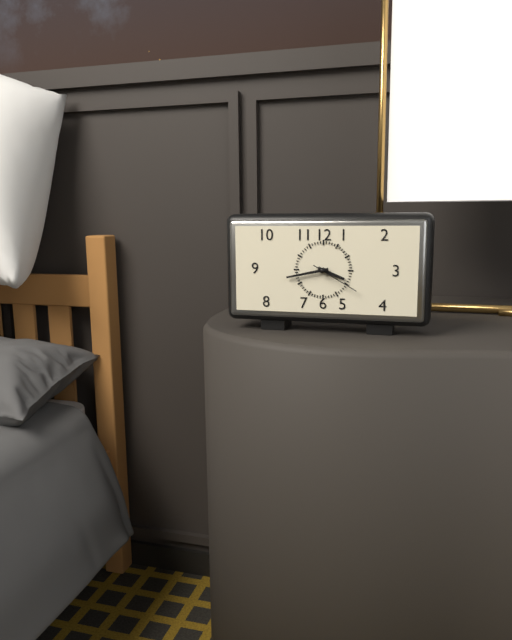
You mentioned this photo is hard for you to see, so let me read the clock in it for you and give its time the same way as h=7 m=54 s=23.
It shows h=3 m=43 s=20
